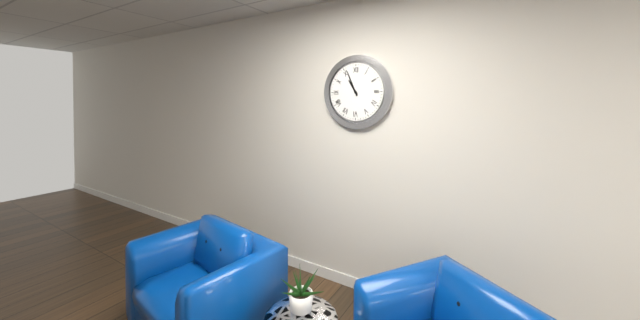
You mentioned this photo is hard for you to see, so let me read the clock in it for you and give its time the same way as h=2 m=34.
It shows h=10 m=56
